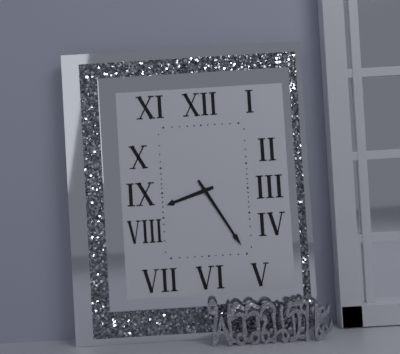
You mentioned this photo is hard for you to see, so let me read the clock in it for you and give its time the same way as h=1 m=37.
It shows h=8 m=25
